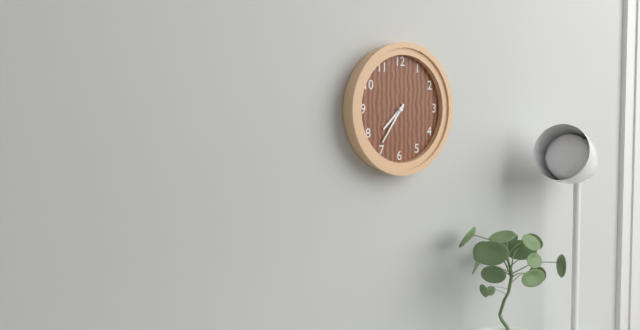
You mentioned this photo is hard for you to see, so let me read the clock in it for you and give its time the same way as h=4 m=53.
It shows h=7 m=36
